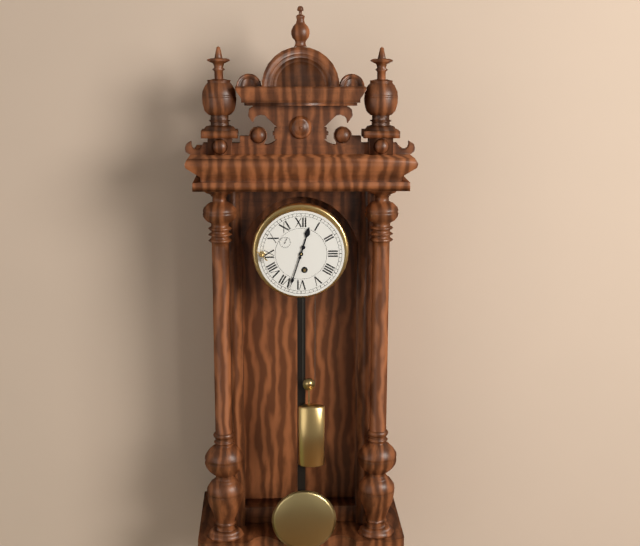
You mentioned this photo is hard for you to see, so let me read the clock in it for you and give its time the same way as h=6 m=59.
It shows h=12 m=33
